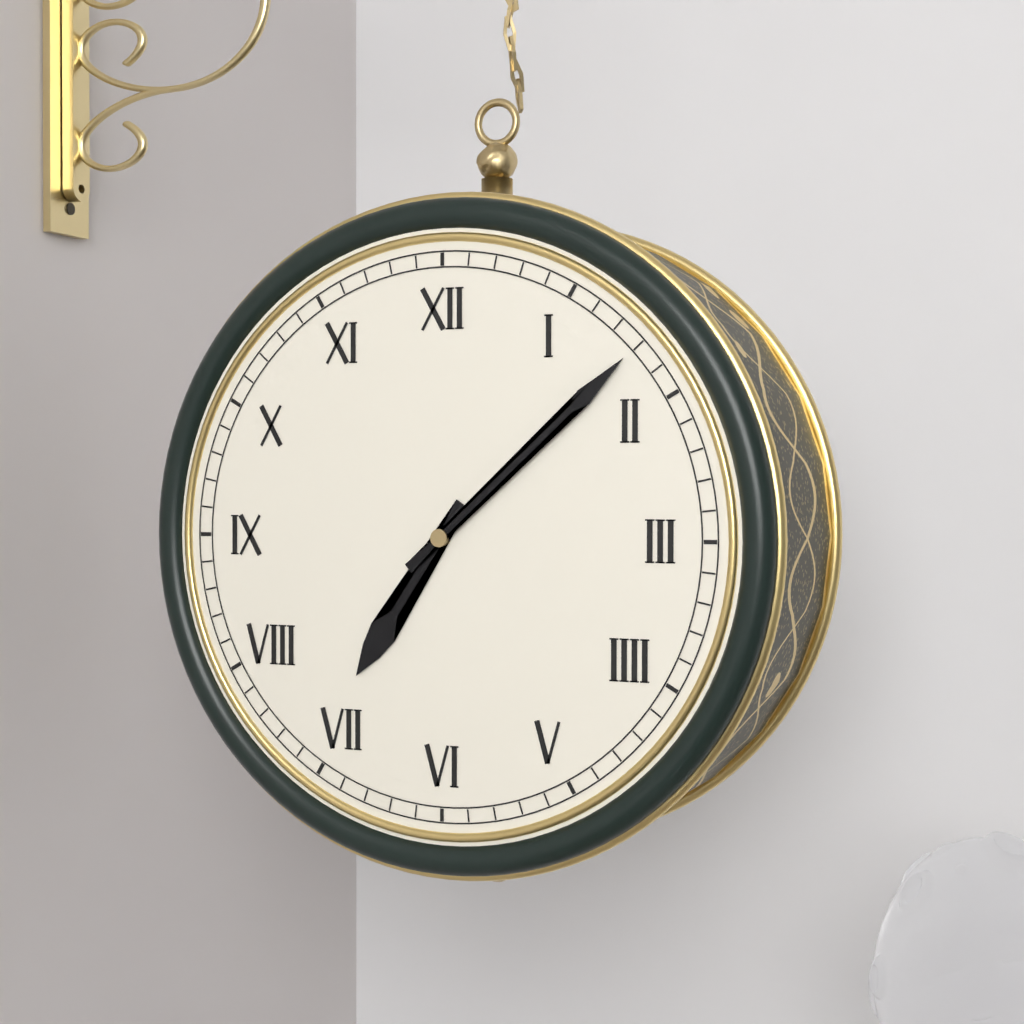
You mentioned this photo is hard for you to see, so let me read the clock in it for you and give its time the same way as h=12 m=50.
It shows h=7 m=8
